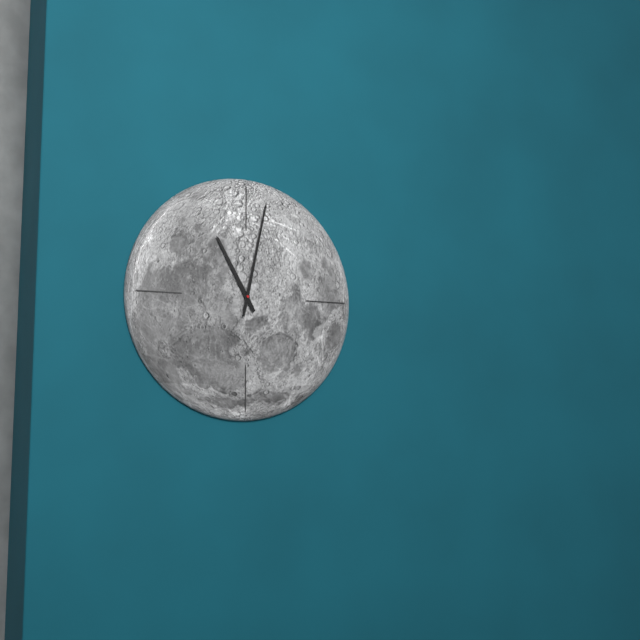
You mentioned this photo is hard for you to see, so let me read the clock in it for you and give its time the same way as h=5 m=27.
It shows h=11 m=2
